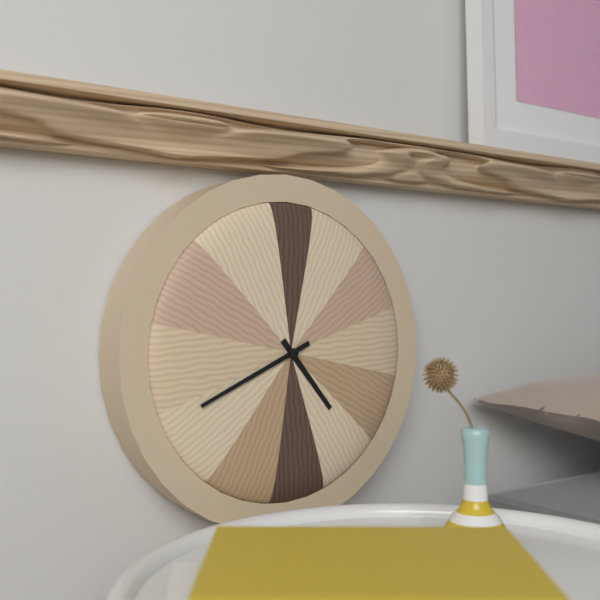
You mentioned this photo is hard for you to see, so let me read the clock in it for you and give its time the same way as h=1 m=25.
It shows h=4 m=41
